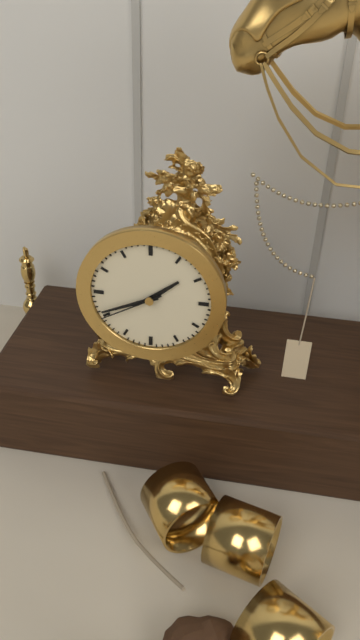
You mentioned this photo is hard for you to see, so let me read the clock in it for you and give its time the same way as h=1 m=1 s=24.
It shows h=1 m=41 s=40
